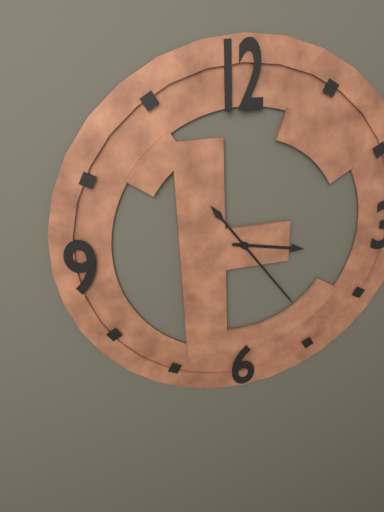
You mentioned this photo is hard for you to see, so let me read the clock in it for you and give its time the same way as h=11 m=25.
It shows h=3 m=24
